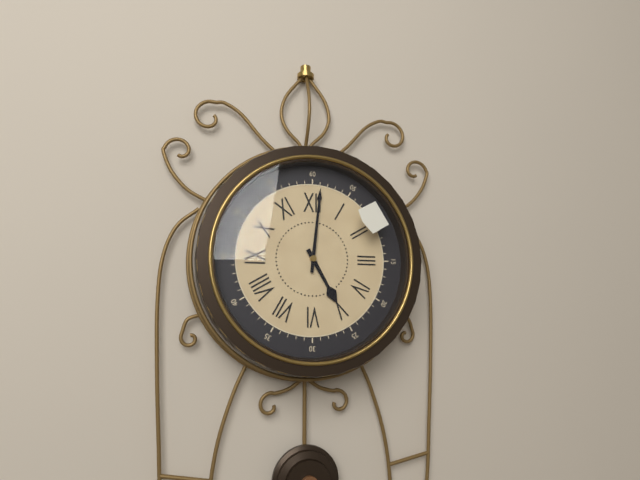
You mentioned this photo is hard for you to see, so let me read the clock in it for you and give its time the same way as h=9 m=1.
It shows h=5 m=1
